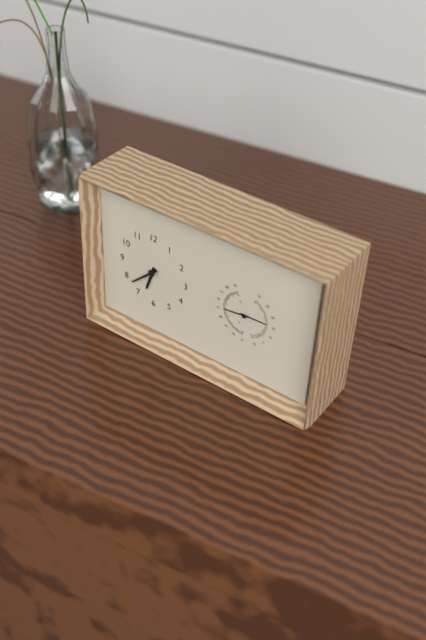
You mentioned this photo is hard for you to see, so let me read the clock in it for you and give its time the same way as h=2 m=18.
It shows h=6 m=38
